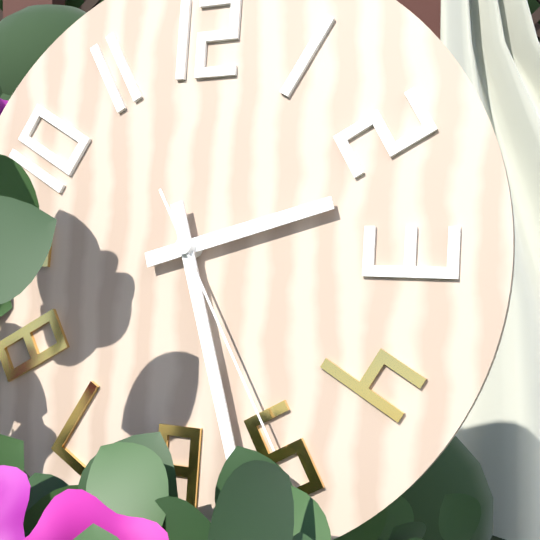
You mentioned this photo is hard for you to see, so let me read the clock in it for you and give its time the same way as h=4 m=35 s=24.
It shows h=2 m=27 s=25
